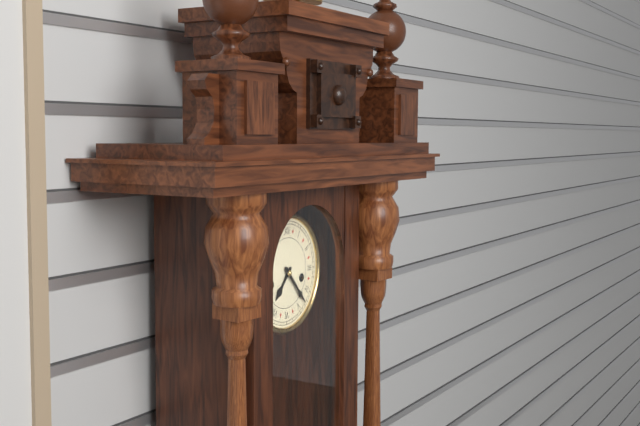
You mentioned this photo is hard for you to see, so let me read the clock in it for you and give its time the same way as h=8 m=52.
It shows h=7 m=23
